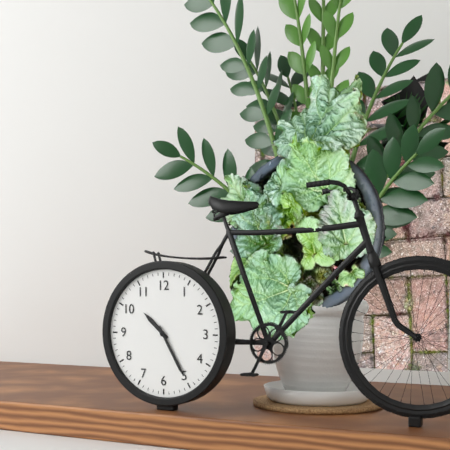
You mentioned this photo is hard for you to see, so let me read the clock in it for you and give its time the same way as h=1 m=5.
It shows h=10 m=25
